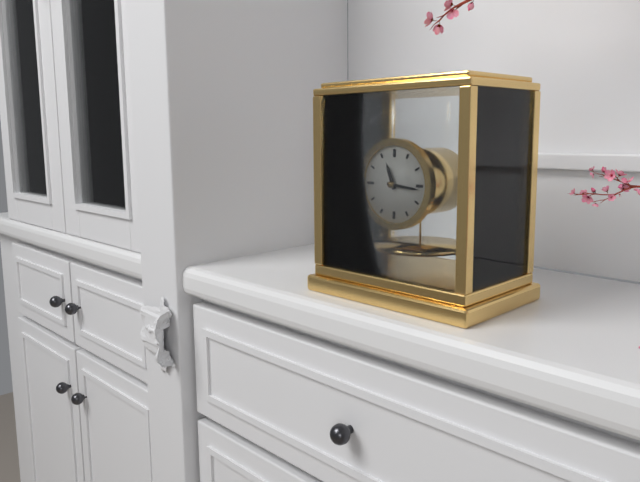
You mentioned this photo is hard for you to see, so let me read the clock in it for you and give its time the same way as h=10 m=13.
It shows h=11 m=16
